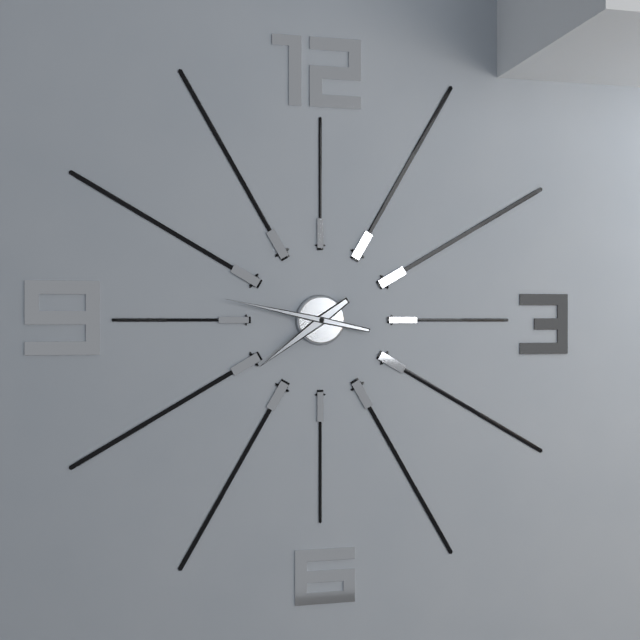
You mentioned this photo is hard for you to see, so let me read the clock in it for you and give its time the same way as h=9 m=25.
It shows h=7 m=47
